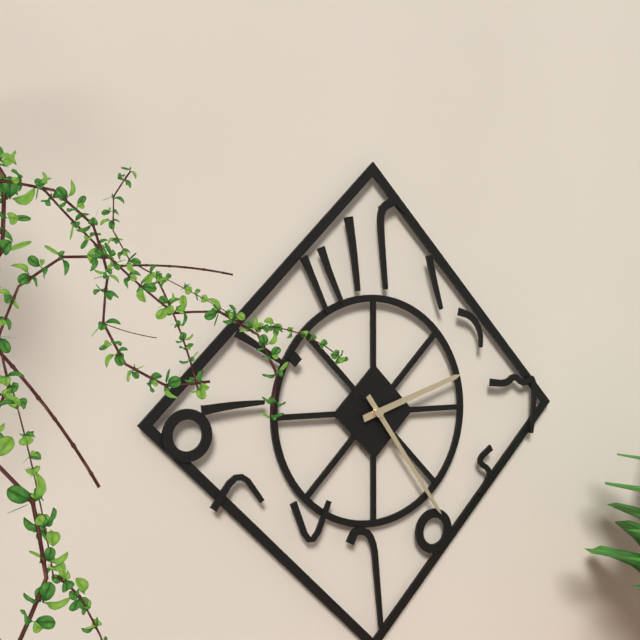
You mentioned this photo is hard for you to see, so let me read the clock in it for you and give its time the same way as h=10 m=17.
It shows h=2 m=24
